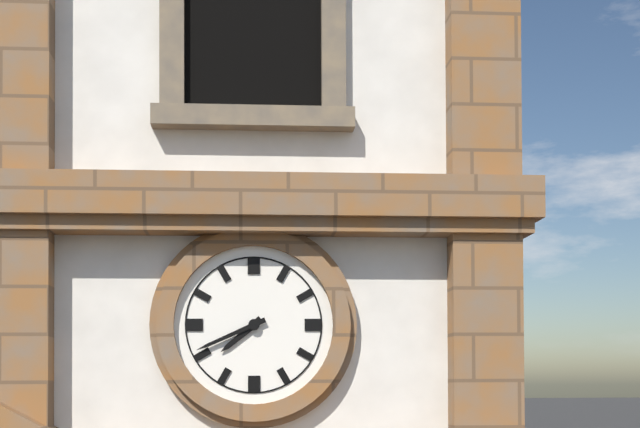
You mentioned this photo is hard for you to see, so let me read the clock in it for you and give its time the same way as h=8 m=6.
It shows h=7 m=41
